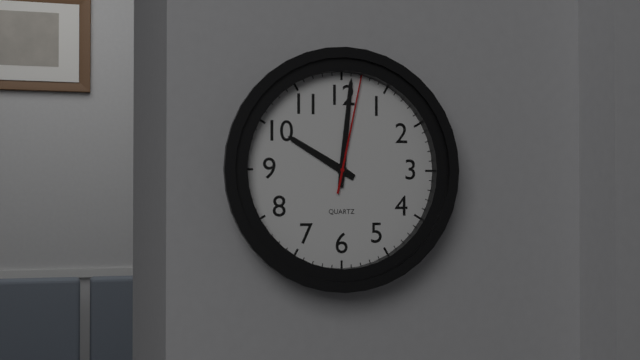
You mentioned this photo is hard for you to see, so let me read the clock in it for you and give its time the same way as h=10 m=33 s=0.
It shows h=10 m=1 s=2
